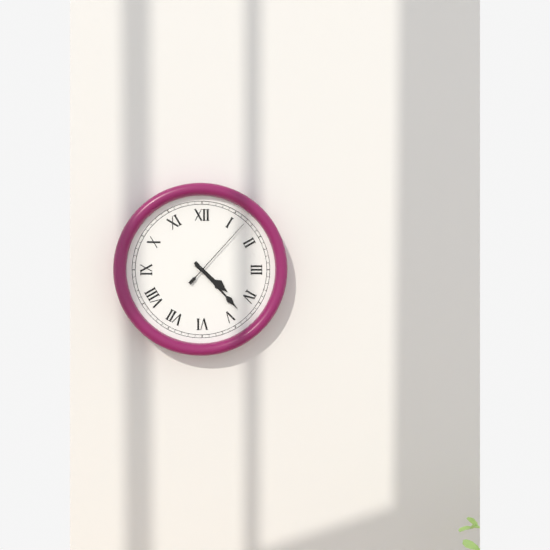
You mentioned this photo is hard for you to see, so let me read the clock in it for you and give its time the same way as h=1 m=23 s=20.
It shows h=4 m=23 s=7
